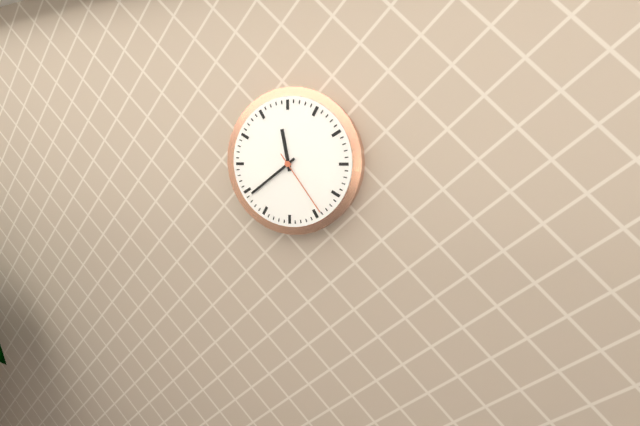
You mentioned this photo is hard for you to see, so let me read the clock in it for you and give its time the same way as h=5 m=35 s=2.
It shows h=11 m=39 s=24
